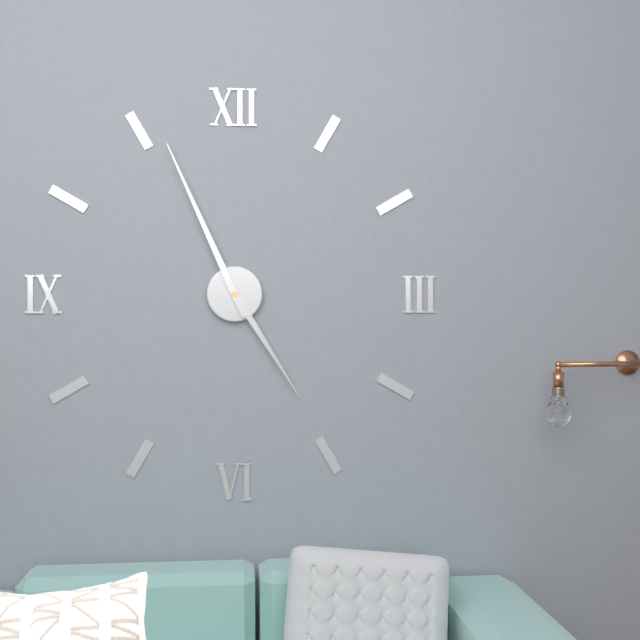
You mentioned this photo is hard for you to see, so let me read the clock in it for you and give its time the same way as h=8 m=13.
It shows h=4 m=56
